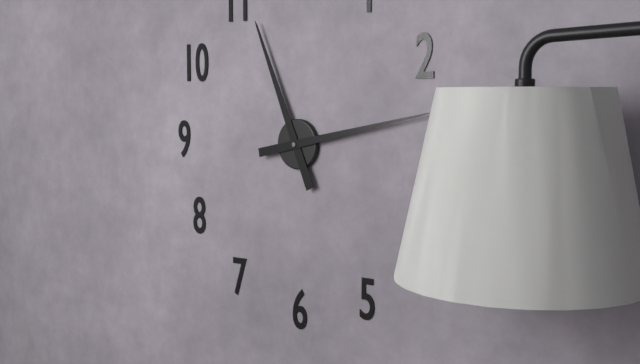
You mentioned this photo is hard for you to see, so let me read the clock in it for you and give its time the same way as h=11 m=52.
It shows h=11 m=13
